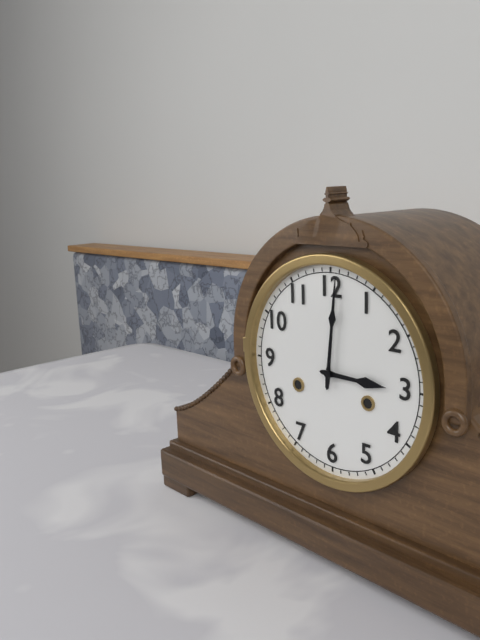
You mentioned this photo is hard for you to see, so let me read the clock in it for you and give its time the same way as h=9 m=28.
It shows h=3 m=1
